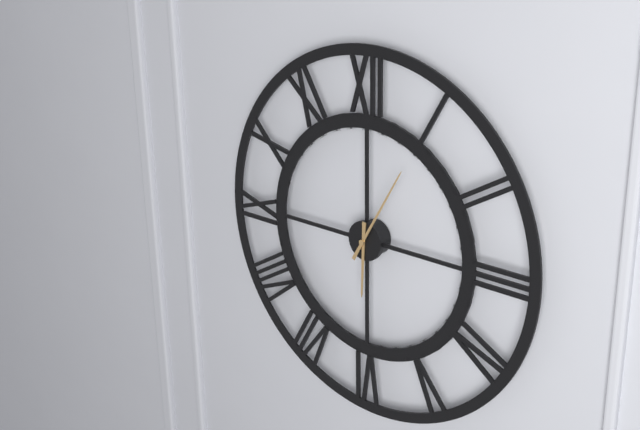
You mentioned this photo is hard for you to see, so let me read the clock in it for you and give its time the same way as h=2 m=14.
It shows h=6 m=5
